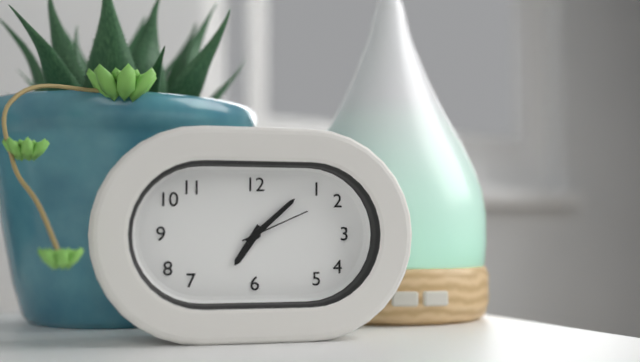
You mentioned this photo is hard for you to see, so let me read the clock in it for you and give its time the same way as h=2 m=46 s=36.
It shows h=7 m=8 s=11
